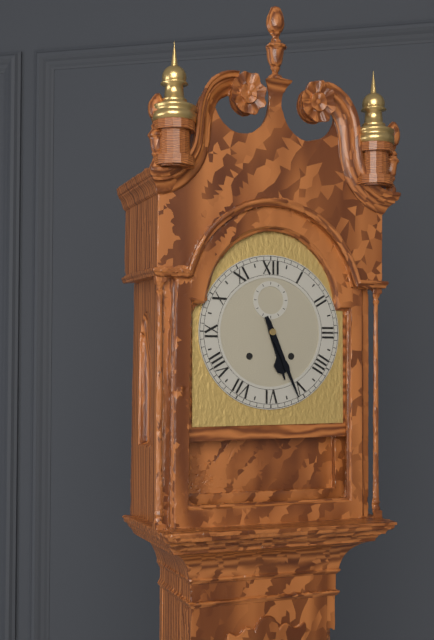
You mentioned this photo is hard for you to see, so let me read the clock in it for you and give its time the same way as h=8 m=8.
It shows h=5 m=26
